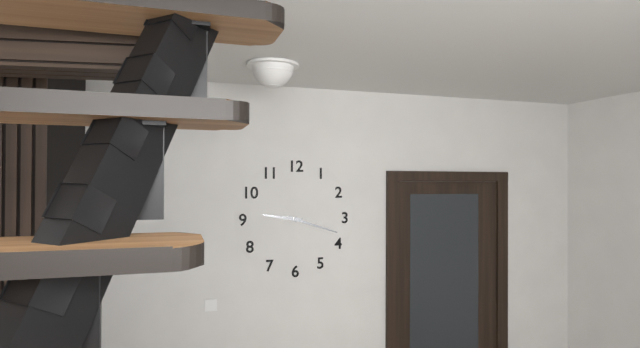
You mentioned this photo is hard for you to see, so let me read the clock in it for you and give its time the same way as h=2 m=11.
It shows h=9 m=18
